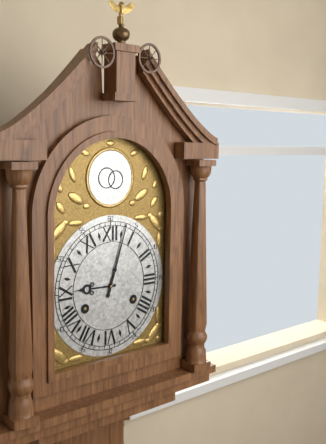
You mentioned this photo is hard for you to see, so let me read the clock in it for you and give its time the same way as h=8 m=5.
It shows h=9 m=3
